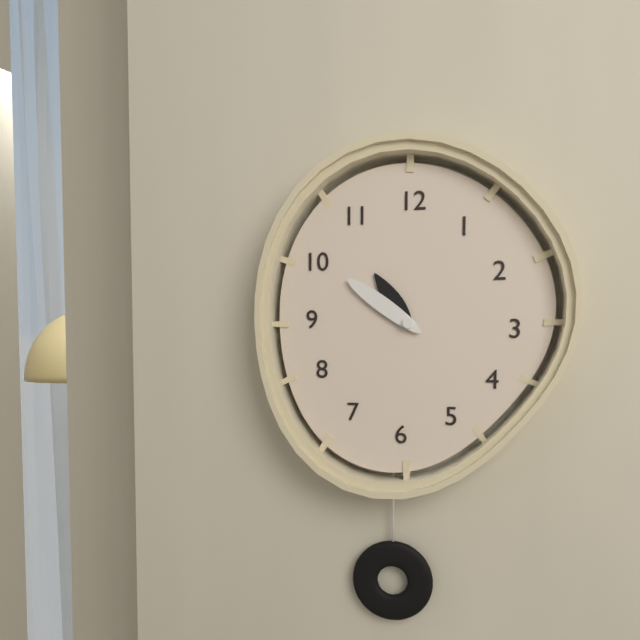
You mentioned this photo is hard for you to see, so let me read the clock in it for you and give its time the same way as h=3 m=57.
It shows h=10 m=51
